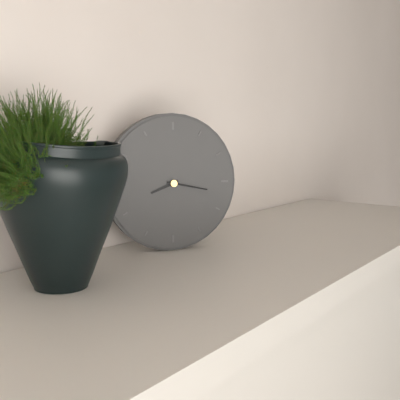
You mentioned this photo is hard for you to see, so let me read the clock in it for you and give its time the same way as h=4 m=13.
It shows h=8 m=17
